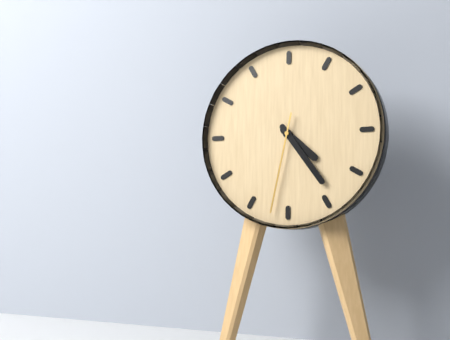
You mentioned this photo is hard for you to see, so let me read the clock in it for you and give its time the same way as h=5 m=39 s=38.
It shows h=4 m=24 s=32
